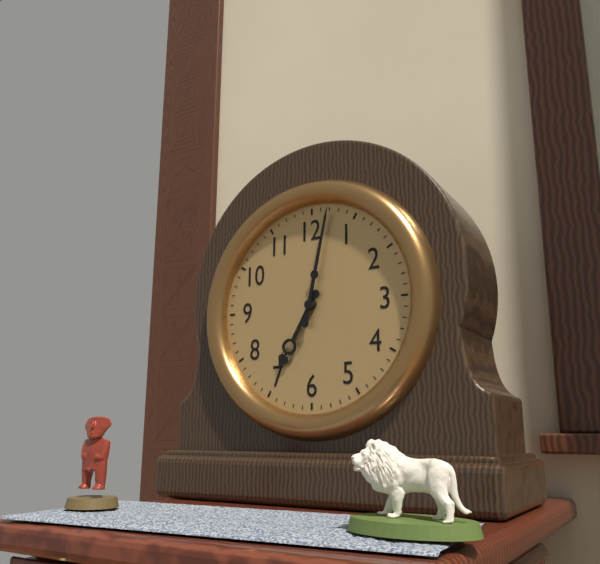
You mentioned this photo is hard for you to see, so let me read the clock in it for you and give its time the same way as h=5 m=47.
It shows h=7 m=2
